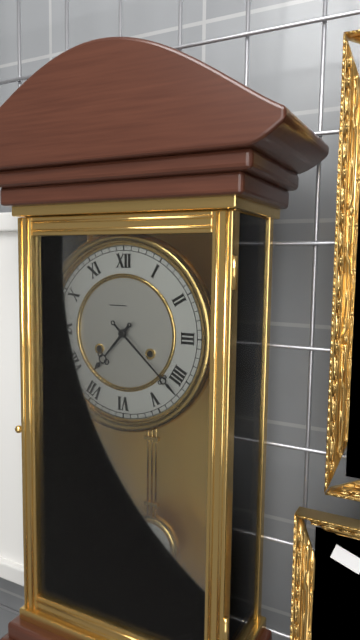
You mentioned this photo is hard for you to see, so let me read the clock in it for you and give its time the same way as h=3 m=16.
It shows h=7 m=22
